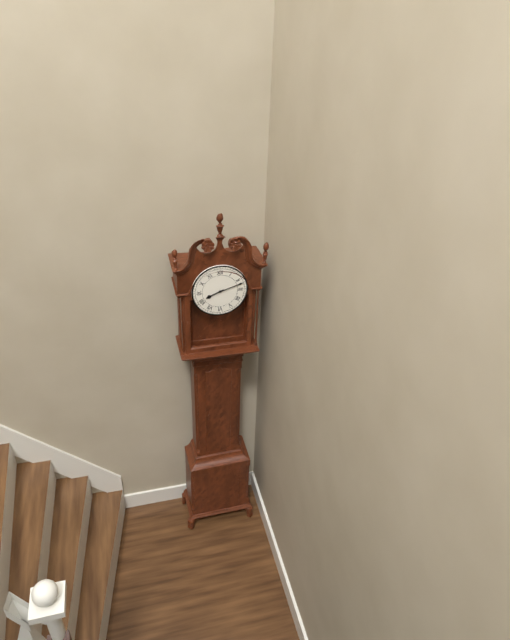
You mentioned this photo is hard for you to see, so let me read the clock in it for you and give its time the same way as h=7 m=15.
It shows h=8 m=12
